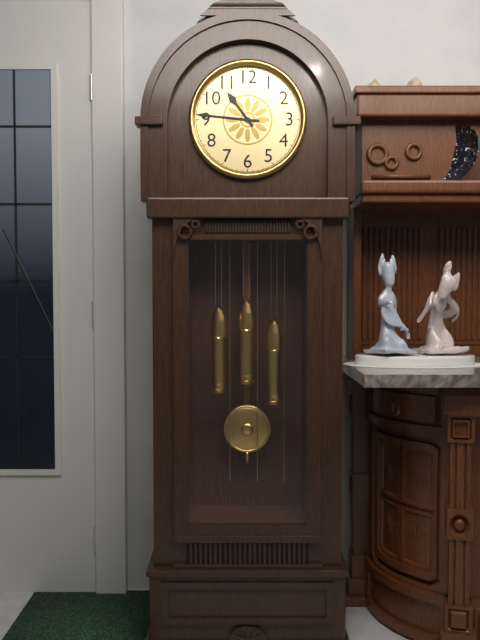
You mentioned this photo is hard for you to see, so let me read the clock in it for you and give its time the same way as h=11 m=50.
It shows h=10 m=46
